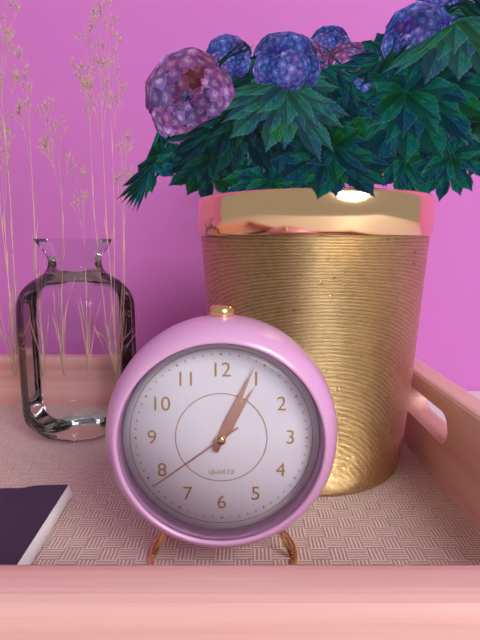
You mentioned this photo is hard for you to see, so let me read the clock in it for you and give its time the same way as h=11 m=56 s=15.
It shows h=1 m=4 s=39
